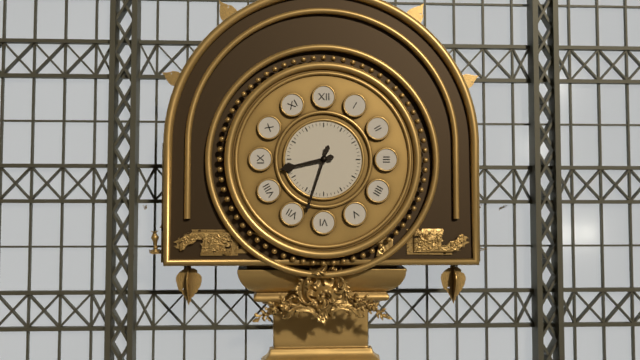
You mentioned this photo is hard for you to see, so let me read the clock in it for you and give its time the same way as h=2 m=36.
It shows h=8 m=33
